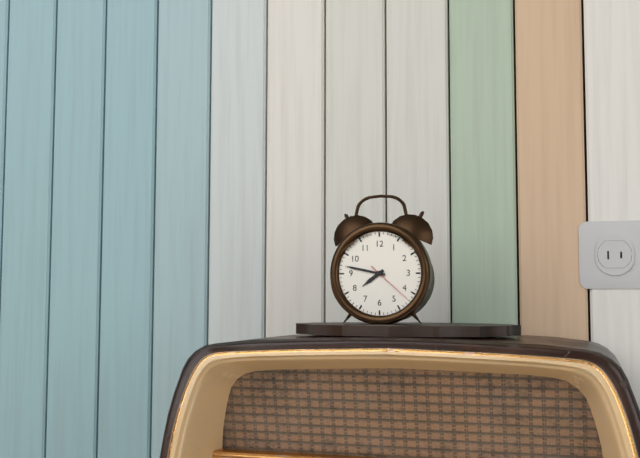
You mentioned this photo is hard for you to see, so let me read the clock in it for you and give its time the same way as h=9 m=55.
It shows h=7 m=47
